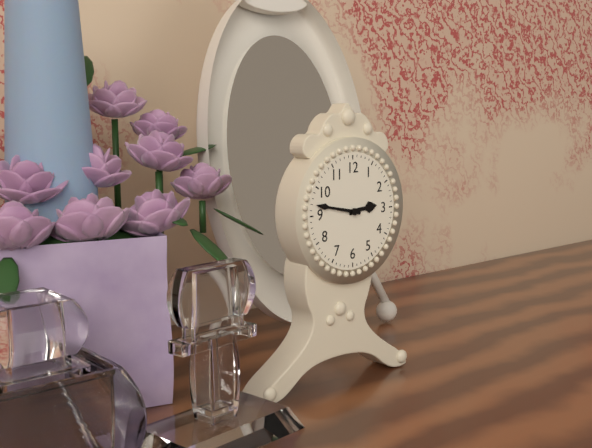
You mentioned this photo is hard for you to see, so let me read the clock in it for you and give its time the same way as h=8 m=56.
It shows h=2 m=47
